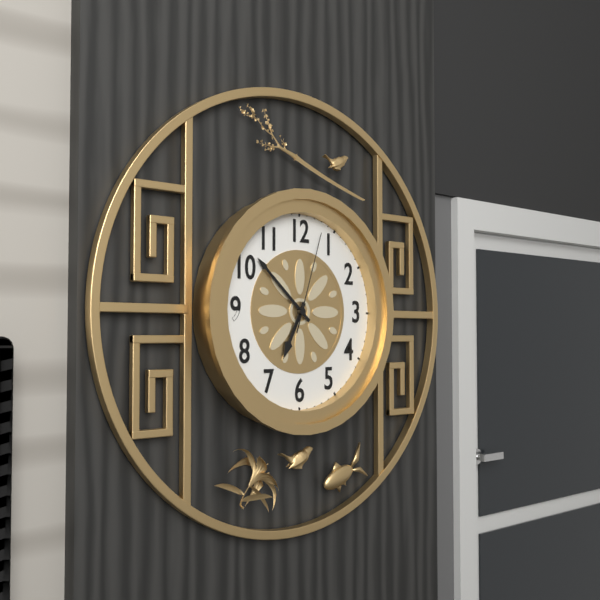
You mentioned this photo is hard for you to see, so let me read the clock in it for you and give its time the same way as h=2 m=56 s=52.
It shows h=6 m=52 s=3
